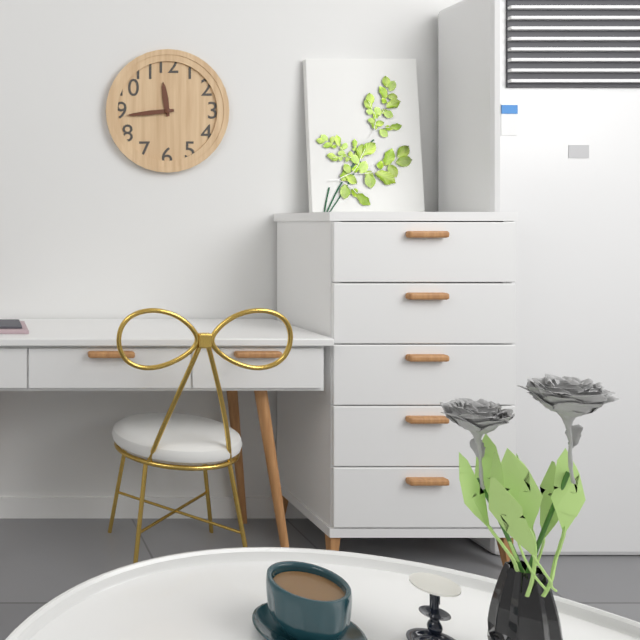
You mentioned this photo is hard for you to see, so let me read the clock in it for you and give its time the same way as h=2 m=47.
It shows h=11 m=44
